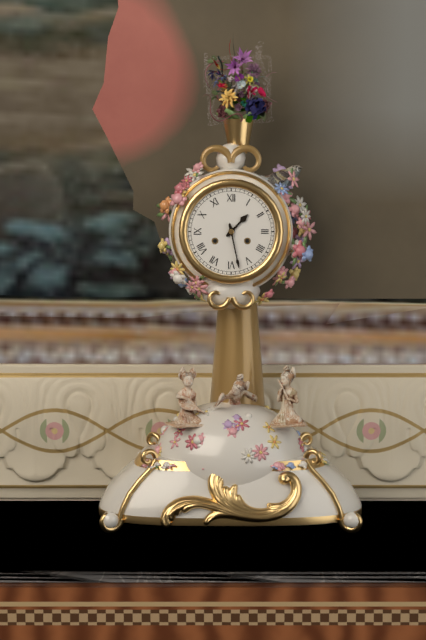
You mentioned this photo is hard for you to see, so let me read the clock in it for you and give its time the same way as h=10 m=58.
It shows h=1 m=28
